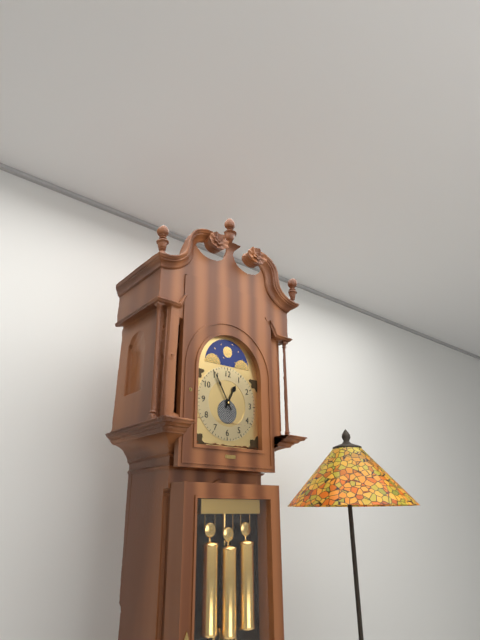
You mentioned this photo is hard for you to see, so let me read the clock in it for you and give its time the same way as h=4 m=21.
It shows h=12 m=55
